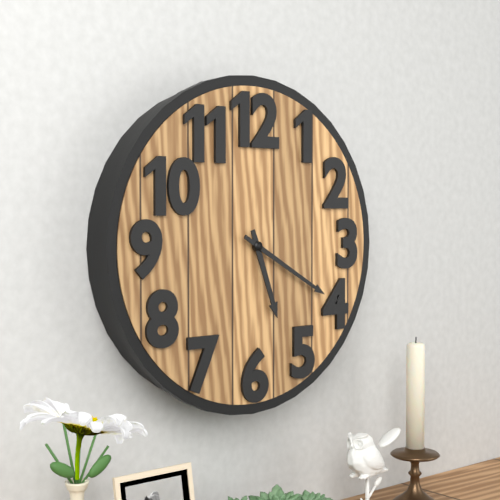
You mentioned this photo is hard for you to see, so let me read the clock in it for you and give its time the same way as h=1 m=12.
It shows h=5 m=20
